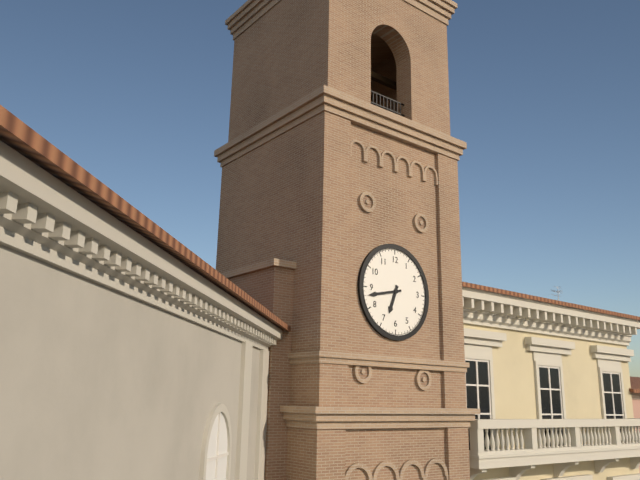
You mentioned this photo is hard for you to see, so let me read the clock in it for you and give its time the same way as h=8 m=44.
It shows h=6 m=43
